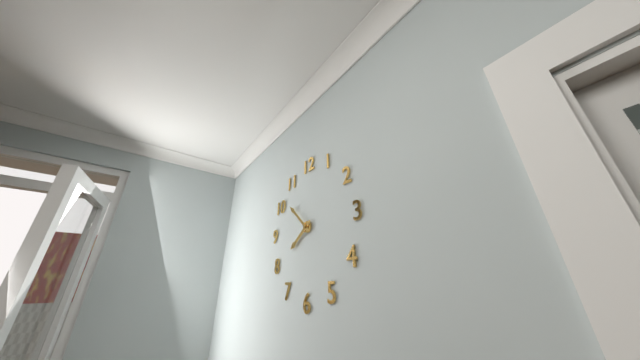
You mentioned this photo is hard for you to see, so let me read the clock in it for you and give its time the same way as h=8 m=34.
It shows h=7 m=52
